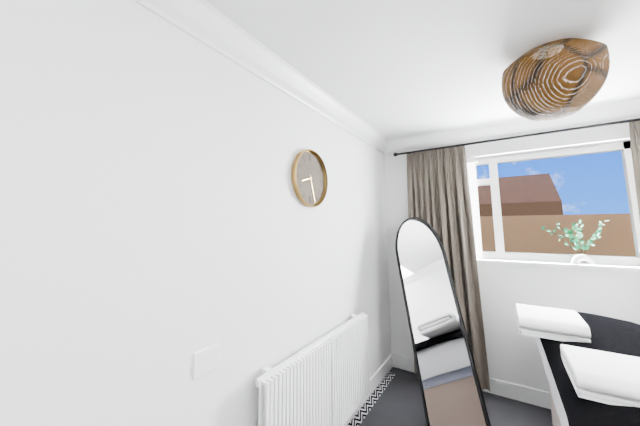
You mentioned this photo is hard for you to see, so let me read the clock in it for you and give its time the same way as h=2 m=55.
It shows h=8 m=27
